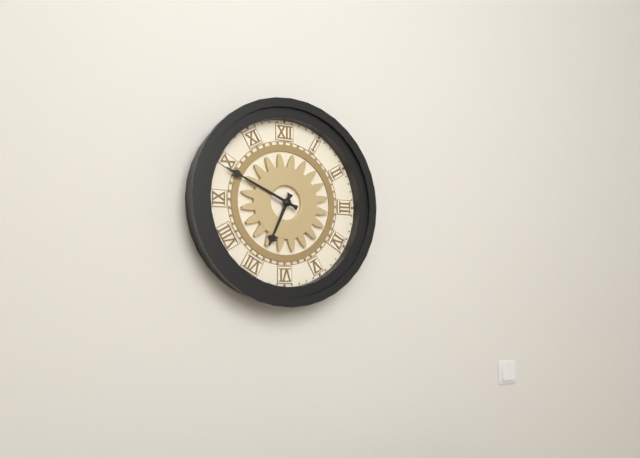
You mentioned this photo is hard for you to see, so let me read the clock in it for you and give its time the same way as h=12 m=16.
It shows h=6 m=49
